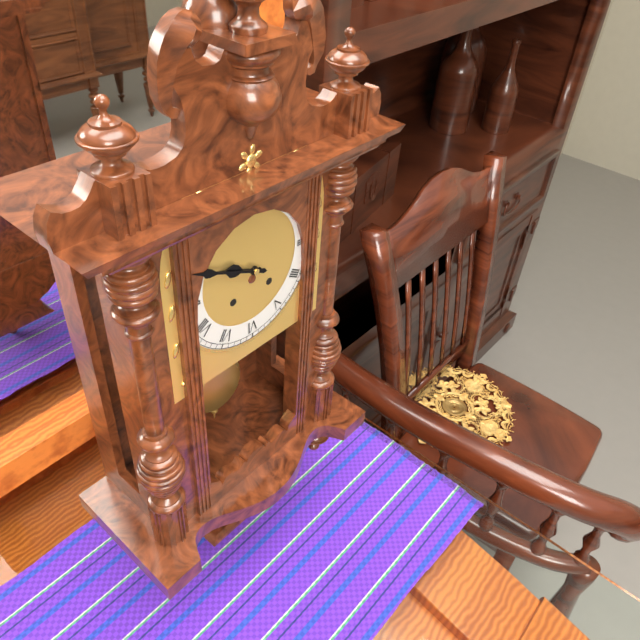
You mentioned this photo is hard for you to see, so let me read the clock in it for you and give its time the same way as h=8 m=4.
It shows h=9 m=49
